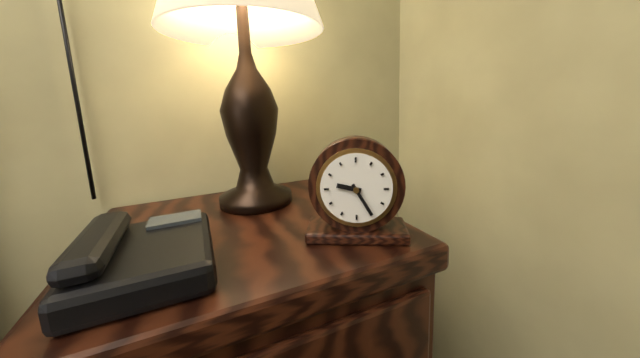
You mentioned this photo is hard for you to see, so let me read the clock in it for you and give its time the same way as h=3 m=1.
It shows h=9 m=25
